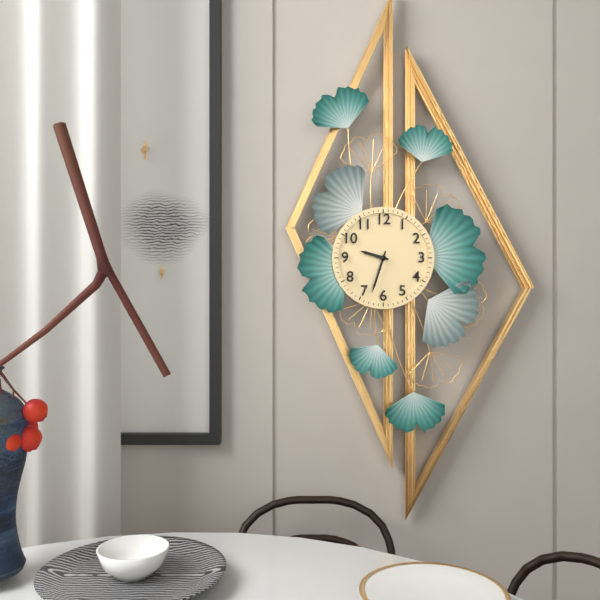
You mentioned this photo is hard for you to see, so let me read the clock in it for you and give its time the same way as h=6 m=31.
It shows h=9 m=33
